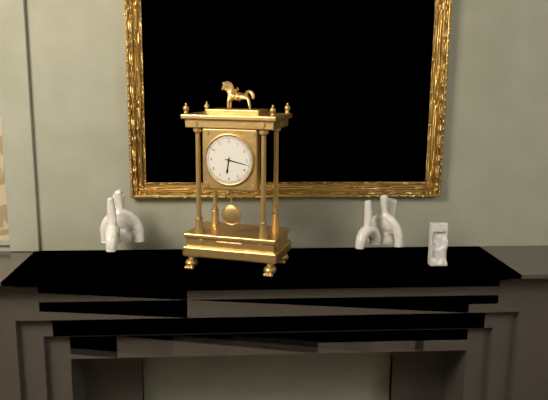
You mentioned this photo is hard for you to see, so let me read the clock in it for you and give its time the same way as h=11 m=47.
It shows h=6 m=17
